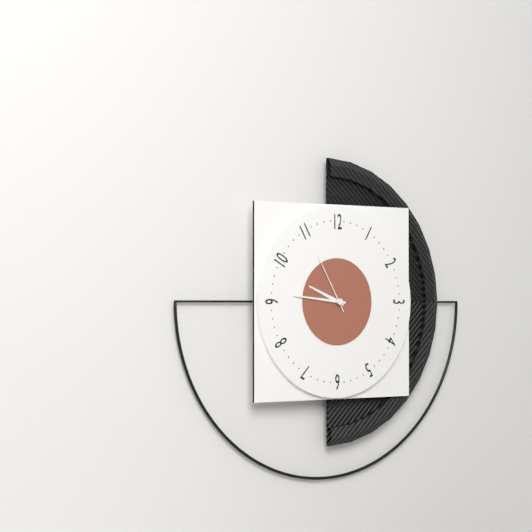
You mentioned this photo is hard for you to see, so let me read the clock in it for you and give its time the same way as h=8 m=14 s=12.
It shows h=9 m=46 s=55
